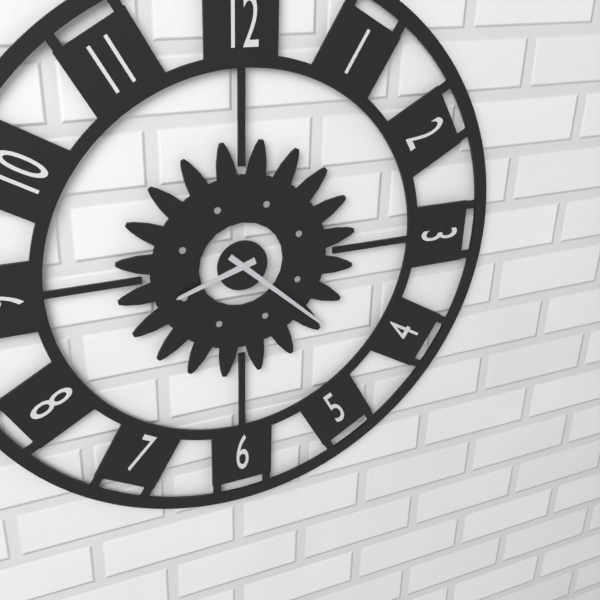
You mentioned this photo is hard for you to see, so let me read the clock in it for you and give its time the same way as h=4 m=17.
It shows h=8 m=22
